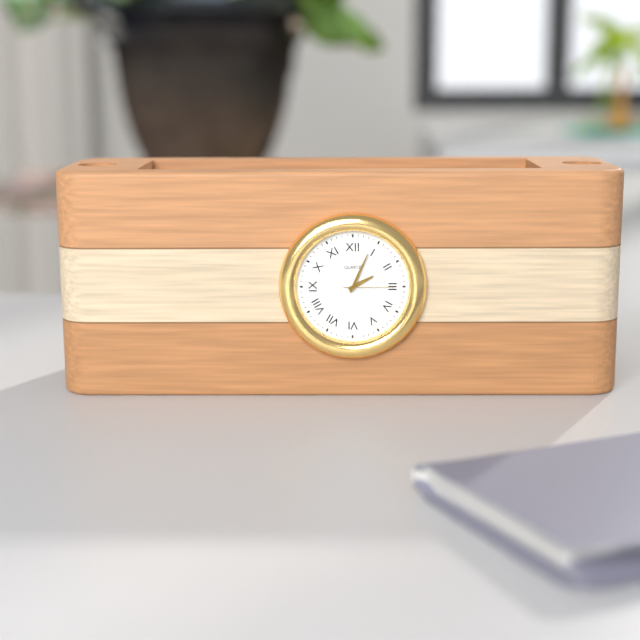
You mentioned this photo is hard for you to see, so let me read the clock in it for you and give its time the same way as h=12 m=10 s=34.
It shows h=2 m=4 s=15
